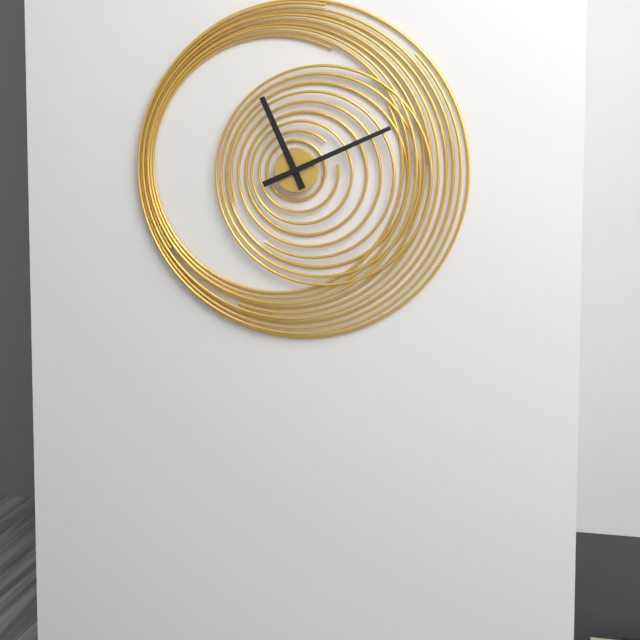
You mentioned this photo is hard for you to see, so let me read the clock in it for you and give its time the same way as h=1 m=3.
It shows h=11 m=11
